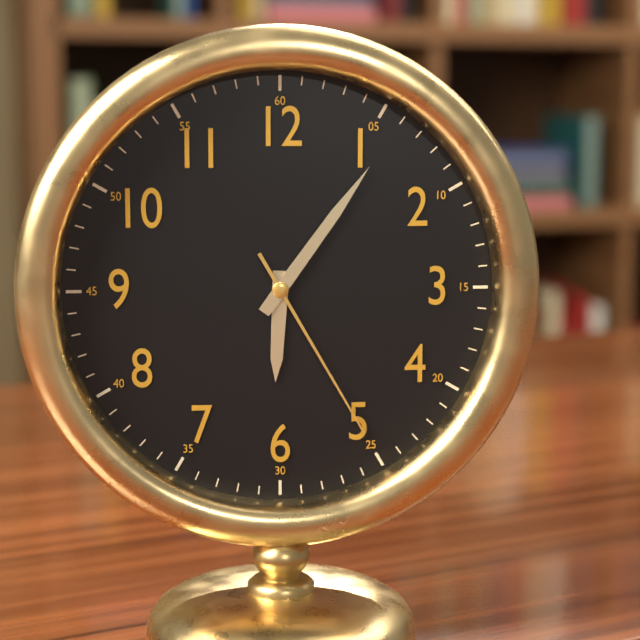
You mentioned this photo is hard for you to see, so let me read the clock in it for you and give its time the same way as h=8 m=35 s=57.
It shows h=6 m=6 s=25
